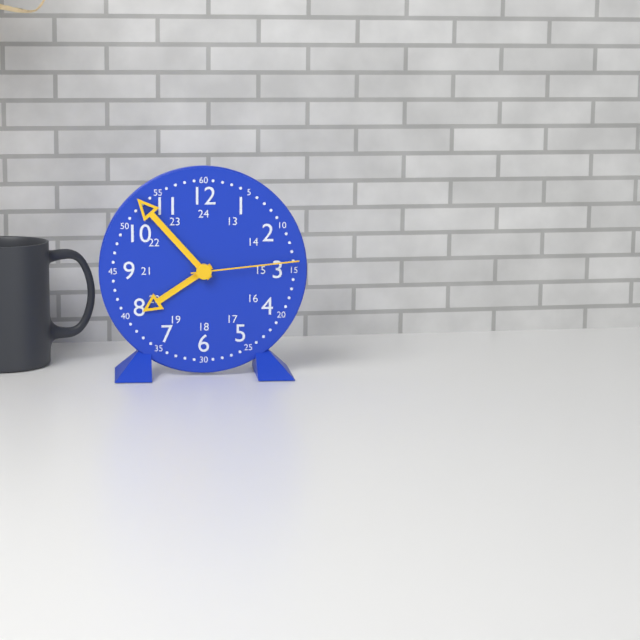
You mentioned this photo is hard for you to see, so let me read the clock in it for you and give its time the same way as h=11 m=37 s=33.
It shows h=7 m=53 s=14
